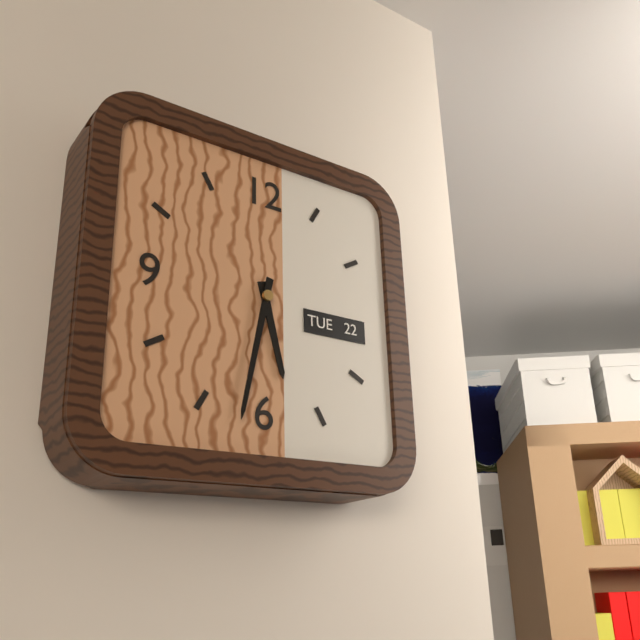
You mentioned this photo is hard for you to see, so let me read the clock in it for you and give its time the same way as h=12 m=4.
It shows h=5 m=32
